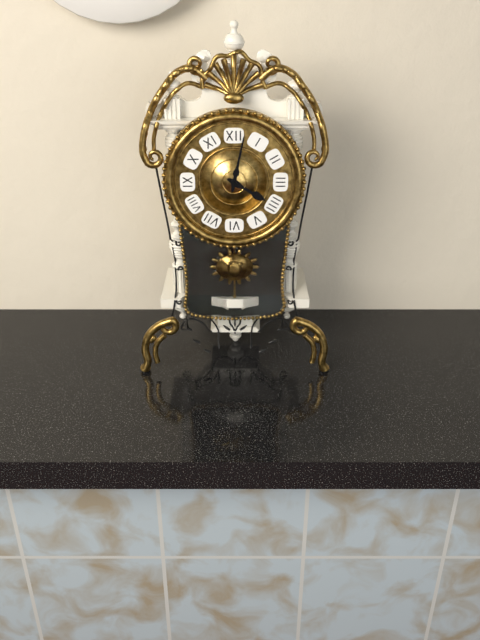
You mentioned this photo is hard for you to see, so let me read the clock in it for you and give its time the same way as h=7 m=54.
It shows h=4 m=2
